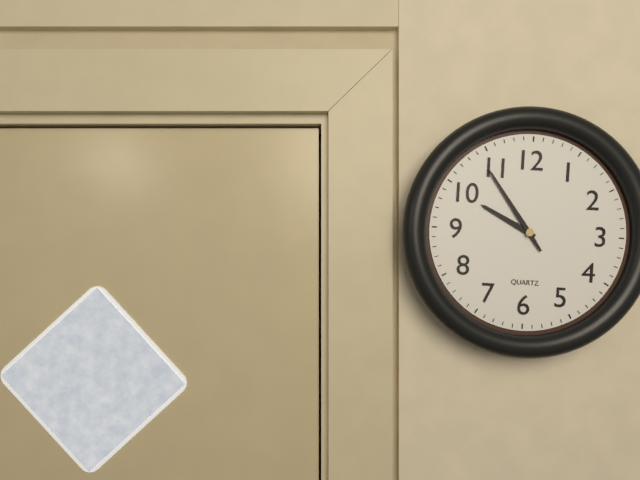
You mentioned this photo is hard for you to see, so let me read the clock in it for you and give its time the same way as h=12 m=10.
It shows h=9 m=54
